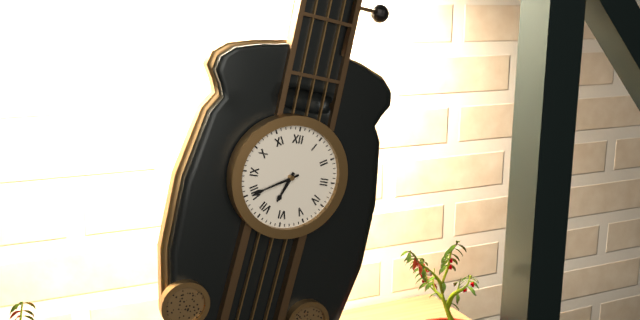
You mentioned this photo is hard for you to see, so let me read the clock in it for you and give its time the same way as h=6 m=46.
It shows h=6 m=40
